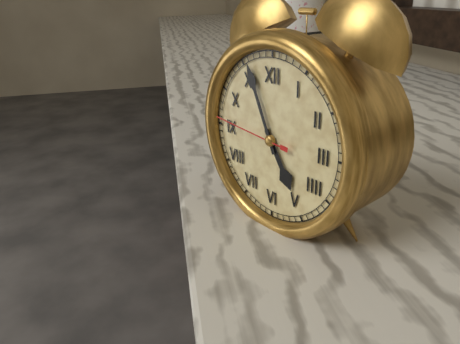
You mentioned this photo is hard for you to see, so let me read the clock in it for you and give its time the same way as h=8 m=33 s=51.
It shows h=4 m=56 s=46
